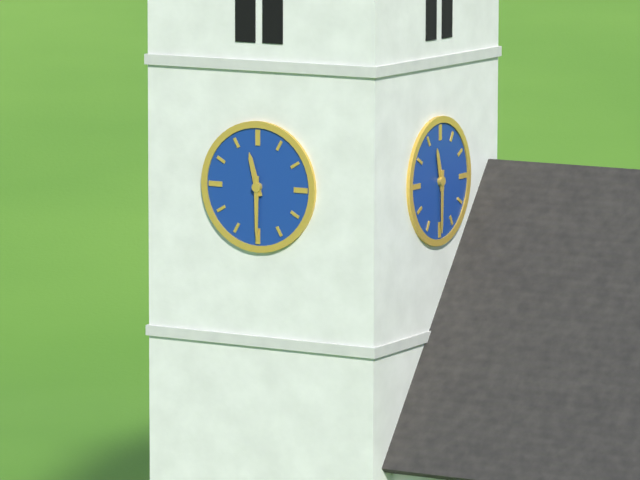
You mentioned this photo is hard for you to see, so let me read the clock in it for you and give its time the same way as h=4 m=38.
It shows h=11 m=30
